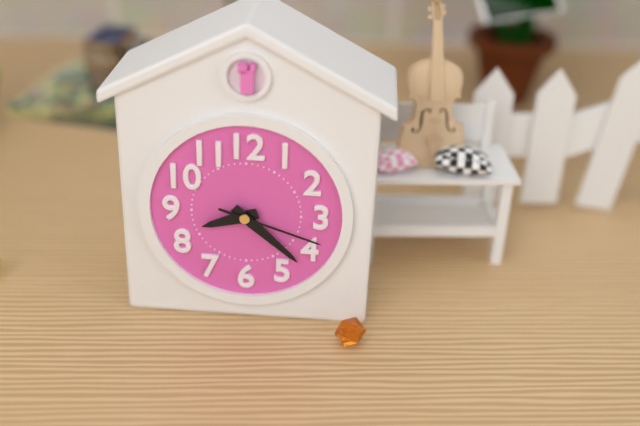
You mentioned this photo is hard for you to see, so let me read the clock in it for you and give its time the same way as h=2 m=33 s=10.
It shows h=8 m=22 s=18
